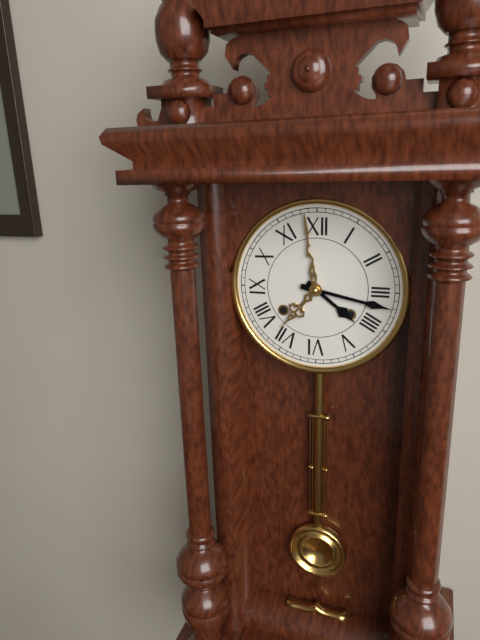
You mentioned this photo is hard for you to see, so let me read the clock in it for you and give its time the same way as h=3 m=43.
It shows h=4 m=17
